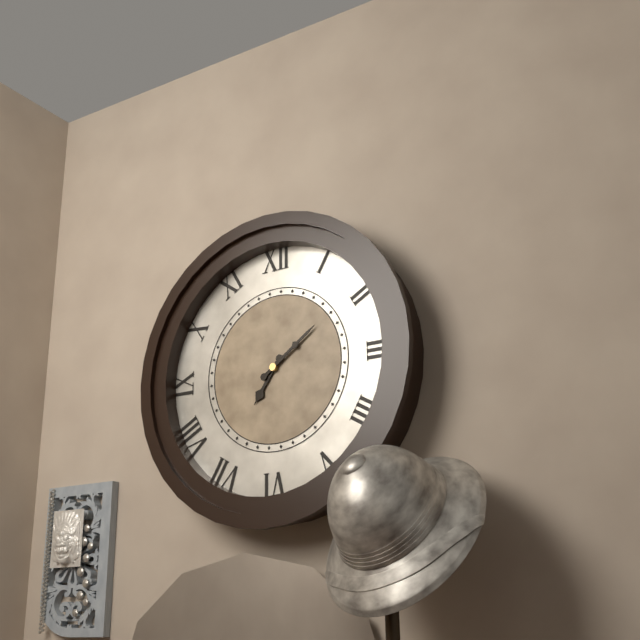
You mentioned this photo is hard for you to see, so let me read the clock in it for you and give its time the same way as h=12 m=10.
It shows h=7 m=9
